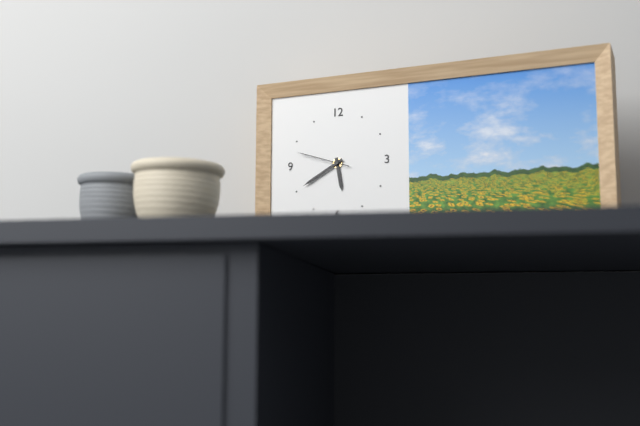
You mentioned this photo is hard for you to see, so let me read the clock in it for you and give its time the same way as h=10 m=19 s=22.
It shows h=5 m=40 s=48
